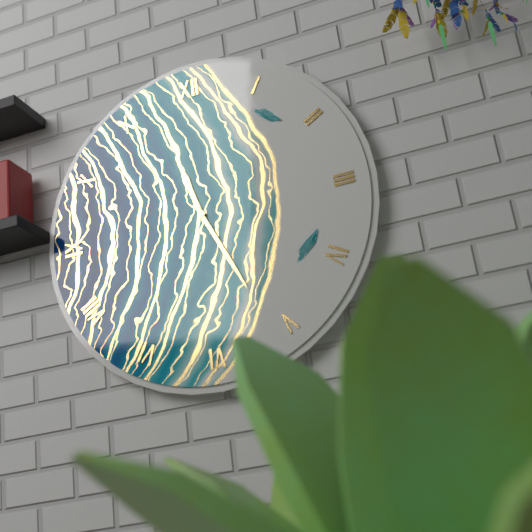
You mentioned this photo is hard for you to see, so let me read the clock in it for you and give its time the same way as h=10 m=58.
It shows h=11 m=26
